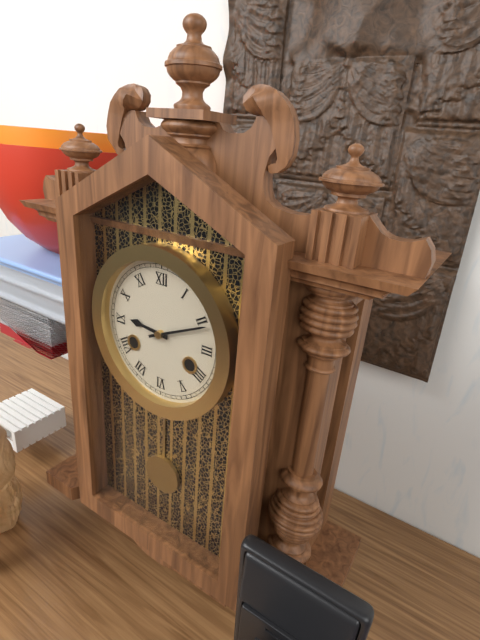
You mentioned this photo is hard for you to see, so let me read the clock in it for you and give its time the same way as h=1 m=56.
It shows h=9 m=11
